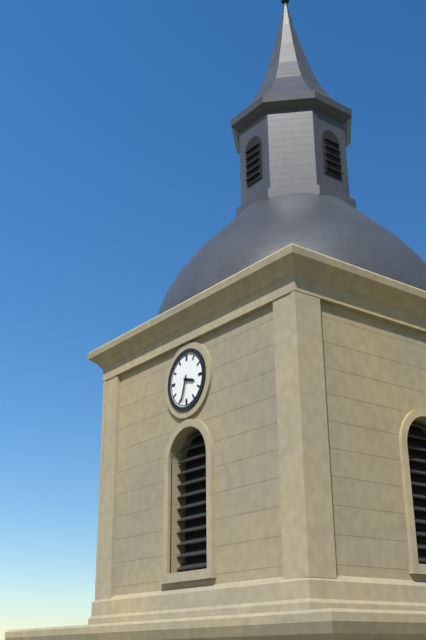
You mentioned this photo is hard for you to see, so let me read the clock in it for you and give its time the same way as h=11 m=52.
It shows h=3 m=33
